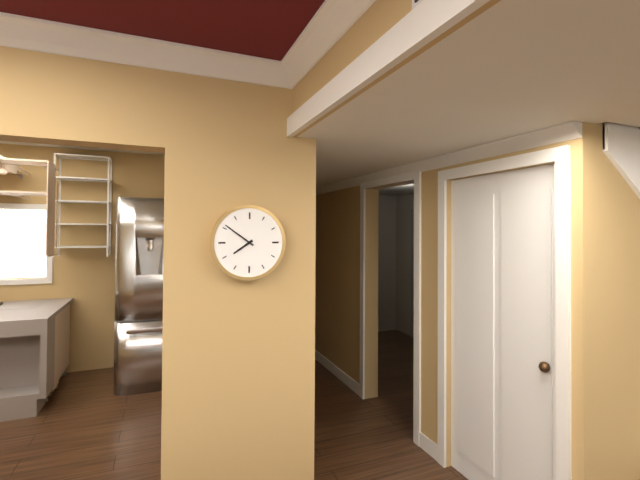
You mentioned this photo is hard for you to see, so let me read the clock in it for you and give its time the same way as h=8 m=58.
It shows h=7 m=51
